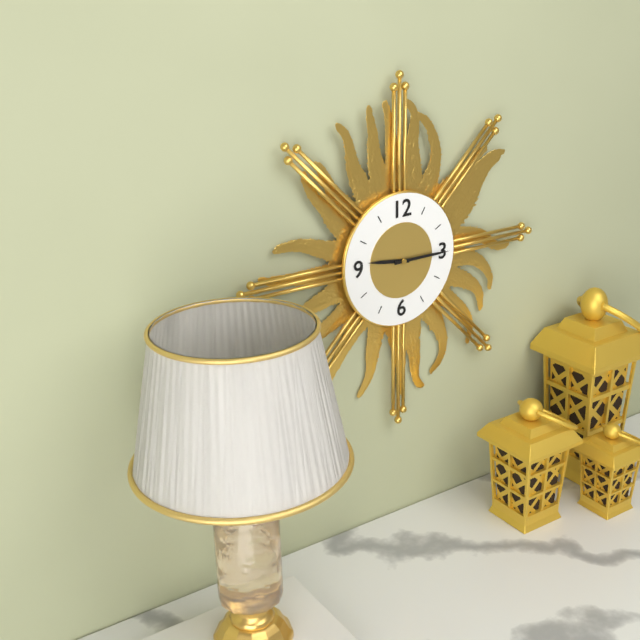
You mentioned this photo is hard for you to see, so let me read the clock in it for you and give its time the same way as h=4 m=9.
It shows h=9 m=15
